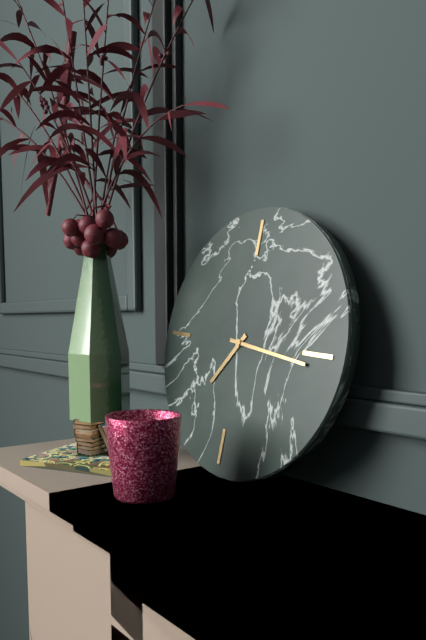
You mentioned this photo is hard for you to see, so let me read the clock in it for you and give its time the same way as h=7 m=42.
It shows h=7 m=16
